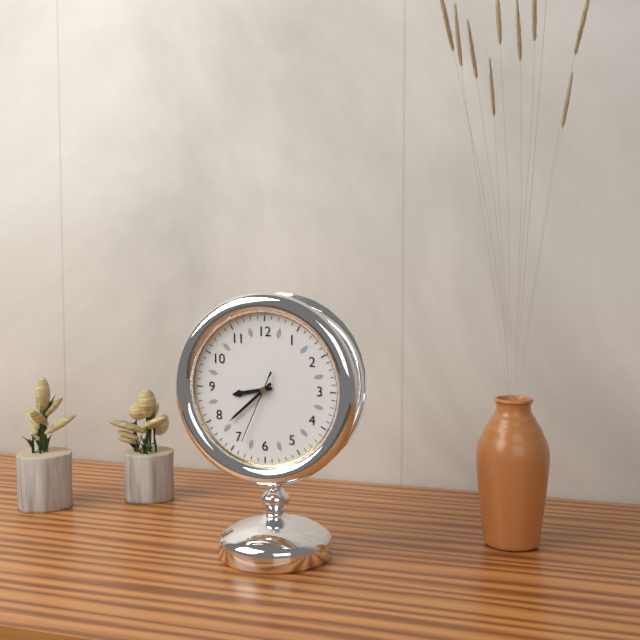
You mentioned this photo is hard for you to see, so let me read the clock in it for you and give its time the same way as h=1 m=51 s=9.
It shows h=8 m=38 s=34
